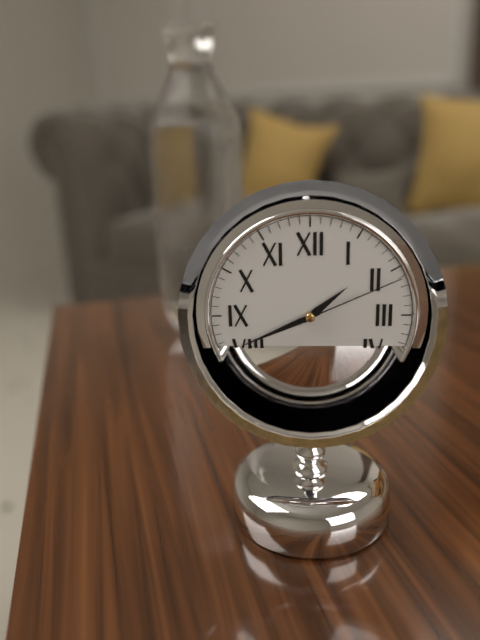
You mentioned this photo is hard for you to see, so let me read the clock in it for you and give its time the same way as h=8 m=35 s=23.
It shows h=1 m=41 s=11
